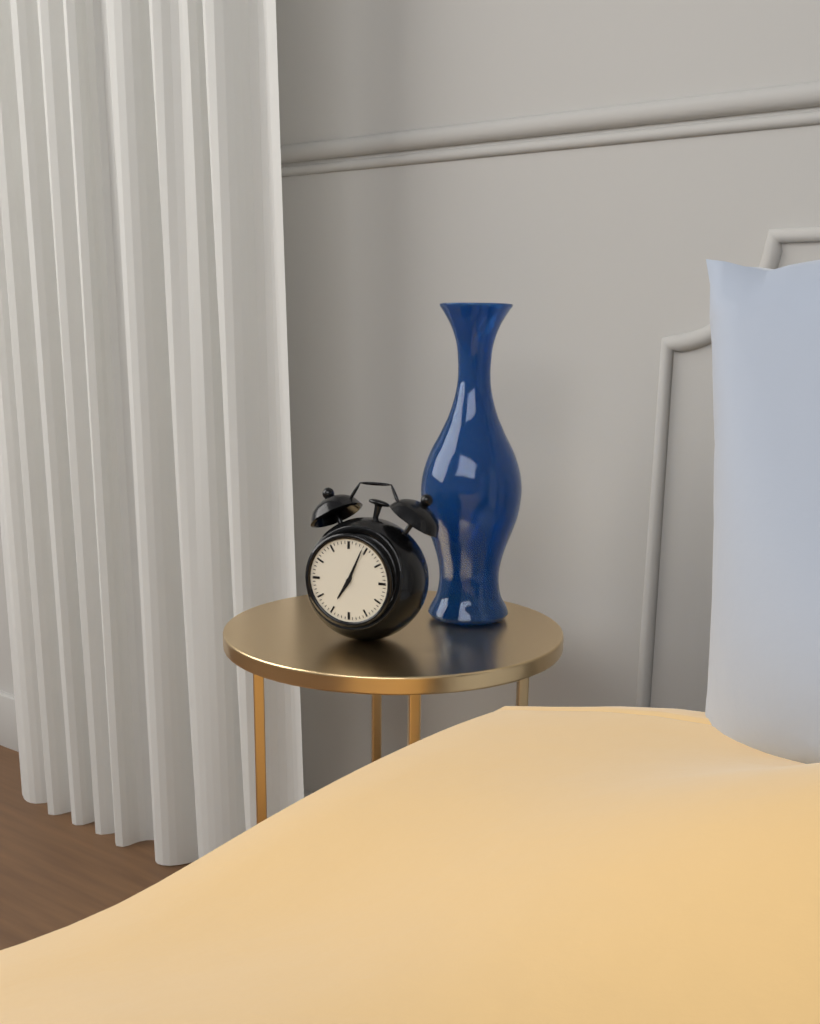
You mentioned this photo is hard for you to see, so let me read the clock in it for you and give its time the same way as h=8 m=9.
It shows h=7 m=4
